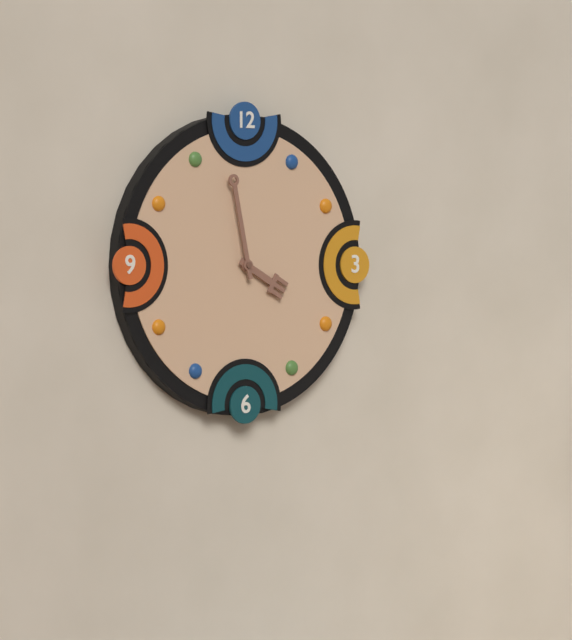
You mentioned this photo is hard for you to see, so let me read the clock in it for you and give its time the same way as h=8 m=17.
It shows h=3 m=58
